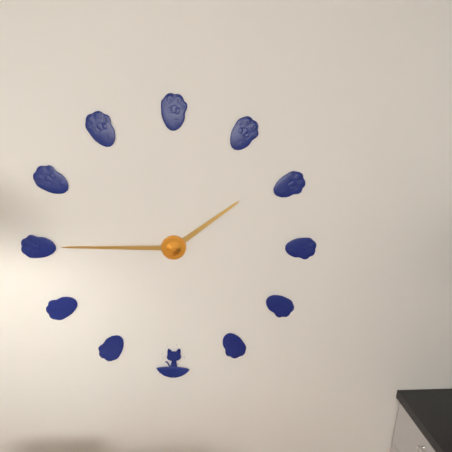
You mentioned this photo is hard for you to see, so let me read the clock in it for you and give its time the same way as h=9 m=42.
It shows h=1 m=45
